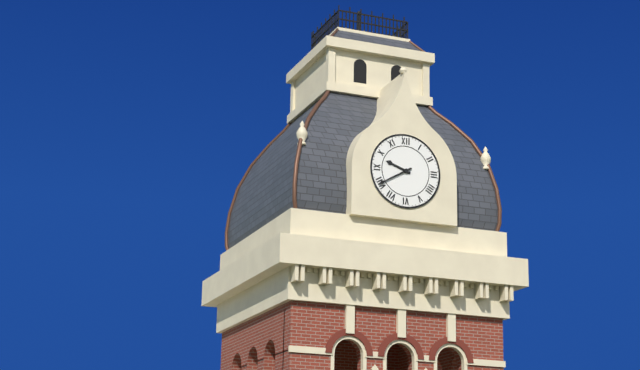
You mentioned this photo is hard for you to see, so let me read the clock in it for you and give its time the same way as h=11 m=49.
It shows h=9 m=40
